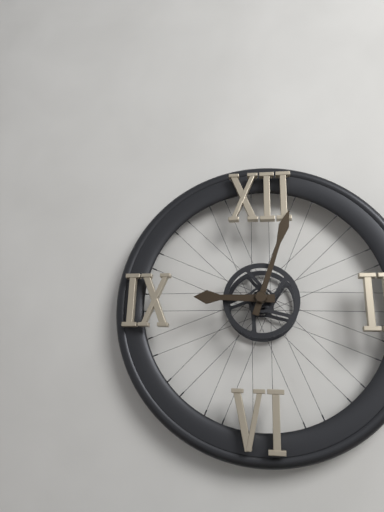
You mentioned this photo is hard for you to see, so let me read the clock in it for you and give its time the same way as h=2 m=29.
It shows h=9 m=3
